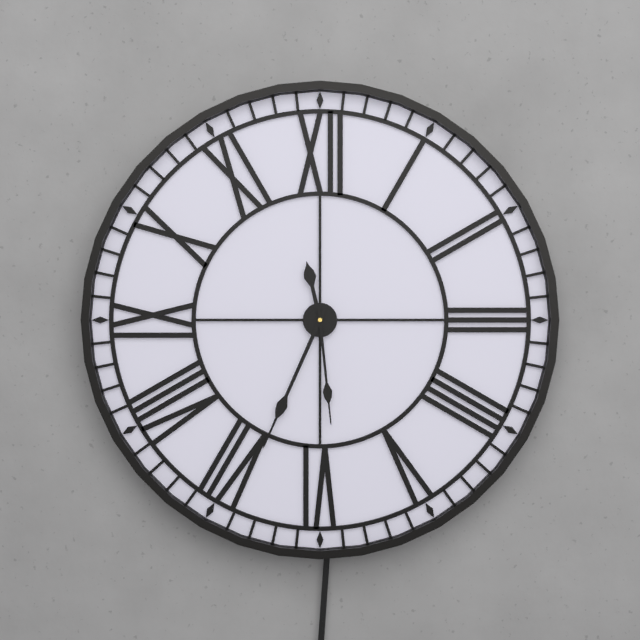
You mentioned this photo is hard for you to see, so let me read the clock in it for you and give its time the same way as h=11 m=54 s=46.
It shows h=11 m=34 s=29
